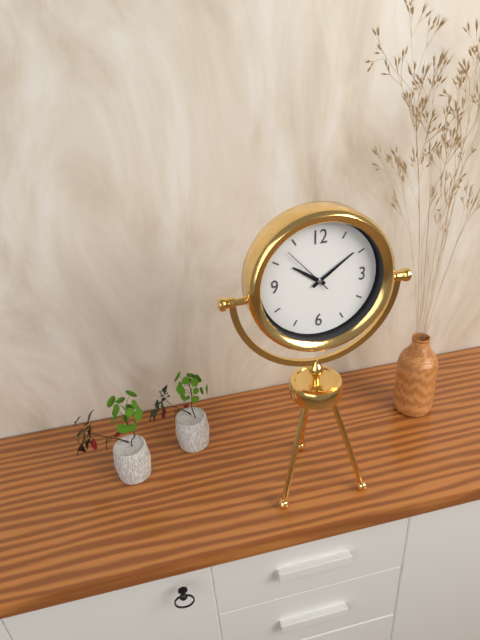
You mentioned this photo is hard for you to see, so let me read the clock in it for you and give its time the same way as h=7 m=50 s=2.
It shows h=10 m=9 s=53
